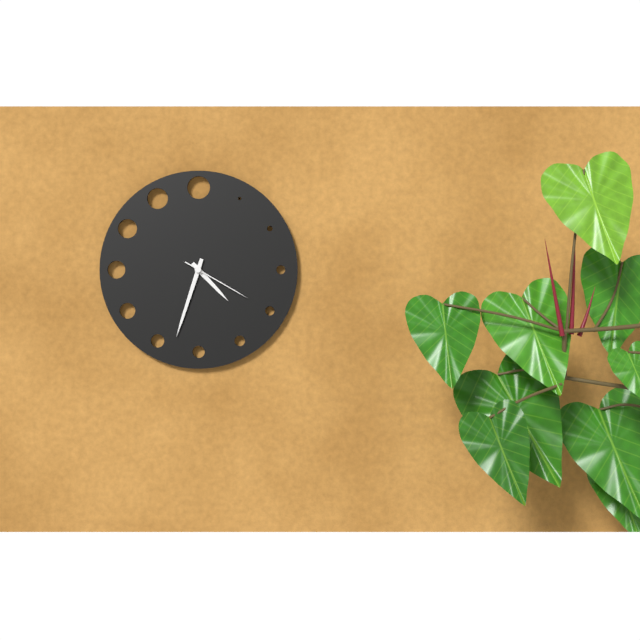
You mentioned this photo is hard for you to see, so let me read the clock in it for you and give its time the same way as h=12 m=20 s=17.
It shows h=4 m=33 s=20
